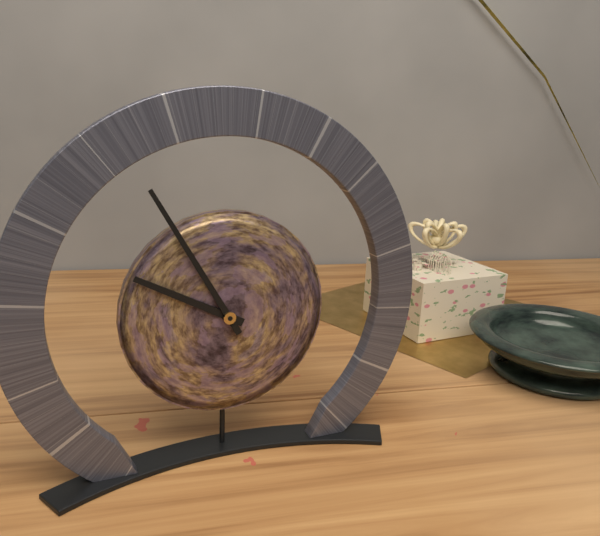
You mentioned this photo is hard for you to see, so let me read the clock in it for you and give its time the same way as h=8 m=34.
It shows h=9 m=55
